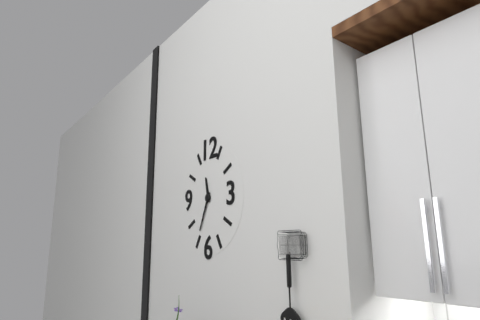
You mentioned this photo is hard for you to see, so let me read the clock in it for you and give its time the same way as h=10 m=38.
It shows h=11 m=34
